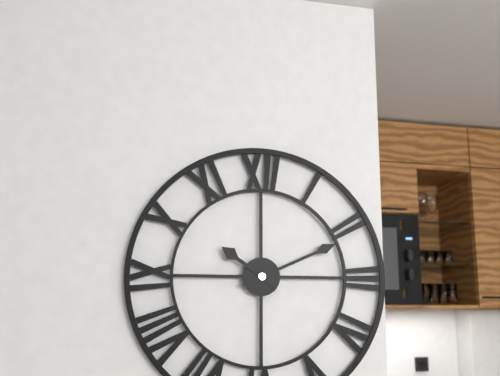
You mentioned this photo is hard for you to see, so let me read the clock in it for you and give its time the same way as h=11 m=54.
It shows h=10 m=11
